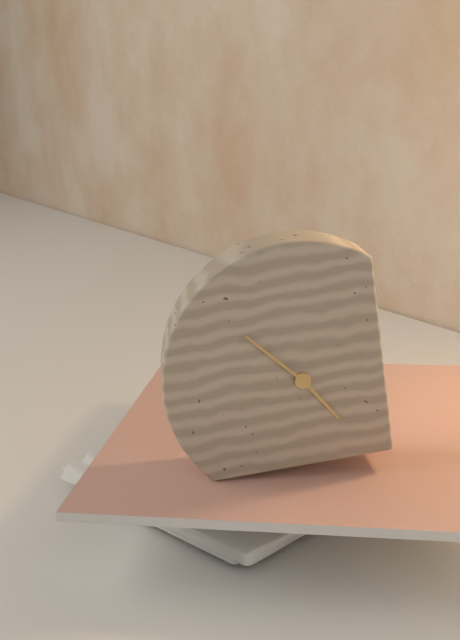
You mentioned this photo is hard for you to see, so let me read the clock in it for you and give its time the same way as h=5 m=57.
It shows h=4 m=53
